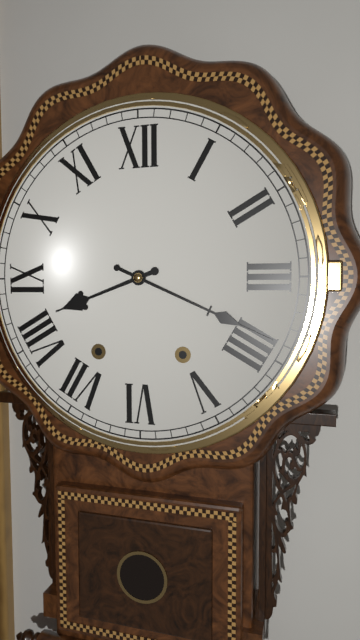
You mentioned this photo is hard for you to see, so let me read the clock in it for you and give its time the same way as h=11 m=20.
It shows h=8 m=19
